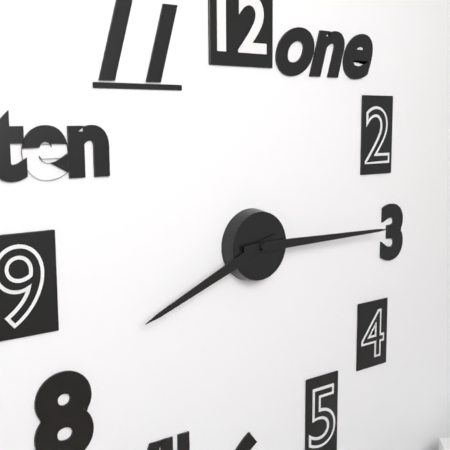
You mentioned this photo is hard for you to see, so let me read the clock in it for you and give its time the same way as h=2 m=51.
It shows h=8 m=15
